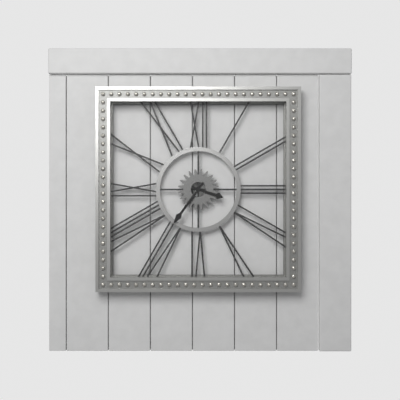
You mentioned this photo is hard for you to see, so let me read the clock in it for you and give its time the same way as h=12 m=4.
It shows h=3 m=36
